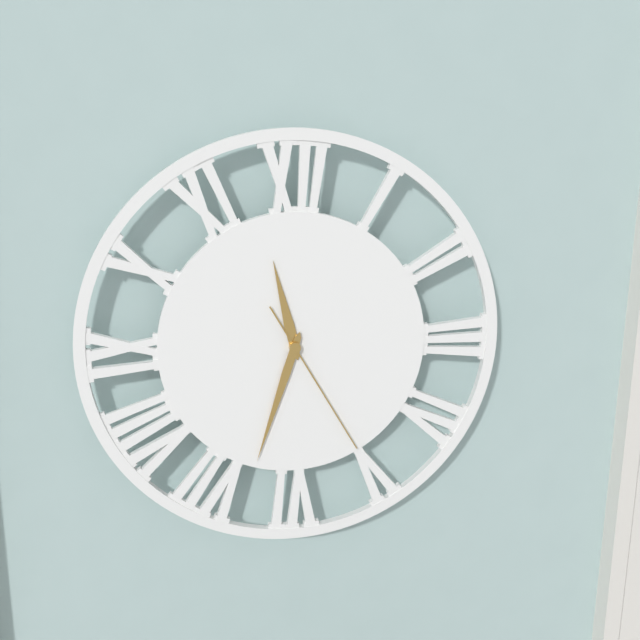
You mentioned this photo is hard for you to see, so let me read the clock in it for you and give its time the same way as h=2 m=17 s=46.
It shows h=11 m=33 s=25
